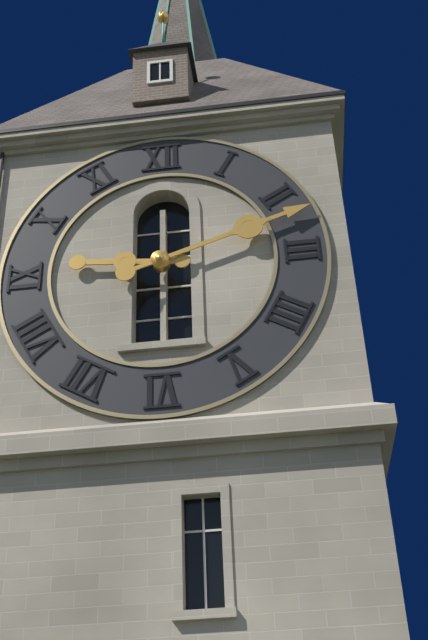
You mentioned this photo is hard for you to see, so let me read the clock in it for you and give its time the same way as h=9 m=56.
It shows h=9 m=12
